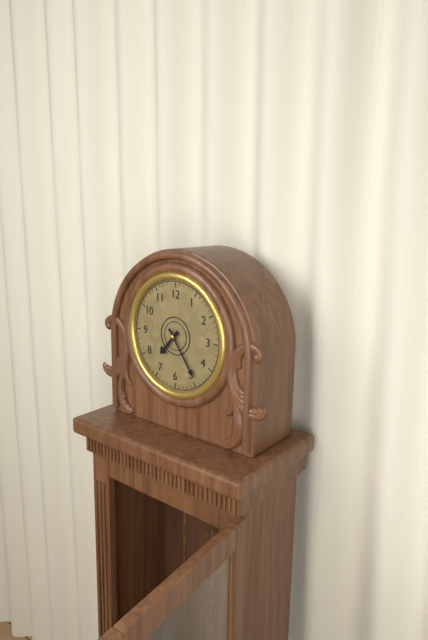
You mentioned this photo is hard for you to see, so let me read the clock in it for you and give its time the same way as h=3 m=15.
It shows h=7 m=24
